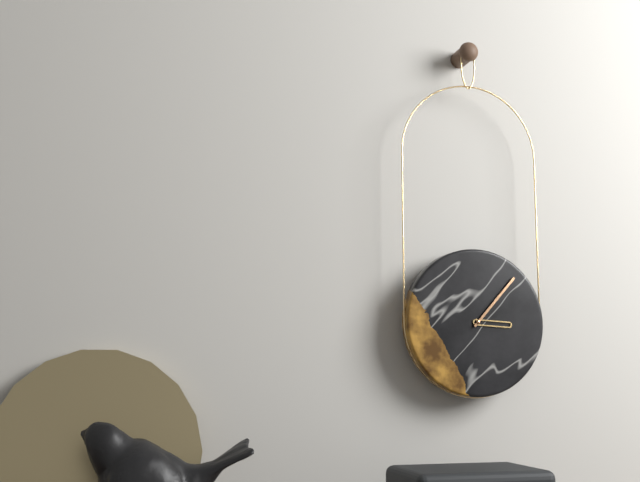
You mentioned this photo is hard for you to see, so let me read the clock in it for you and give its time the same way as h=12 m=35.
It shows h=3 m=7
